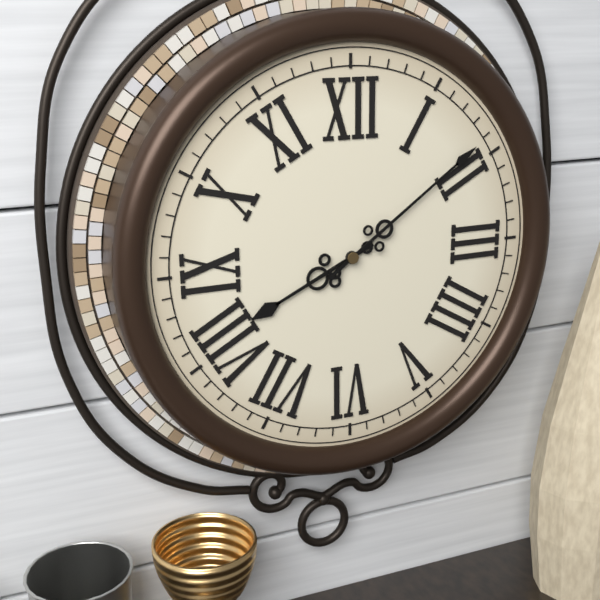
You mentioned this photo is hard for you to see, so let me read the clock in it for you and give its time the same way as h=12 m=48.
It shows h=8 m=9
